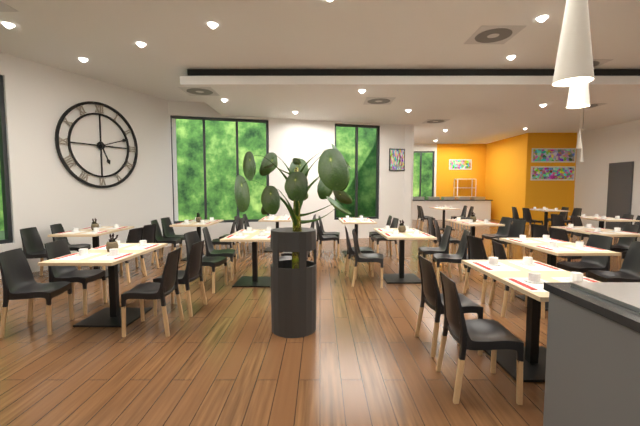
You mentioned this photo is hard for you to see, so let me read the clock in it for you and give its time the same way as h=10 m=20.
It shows h=5 m=12
